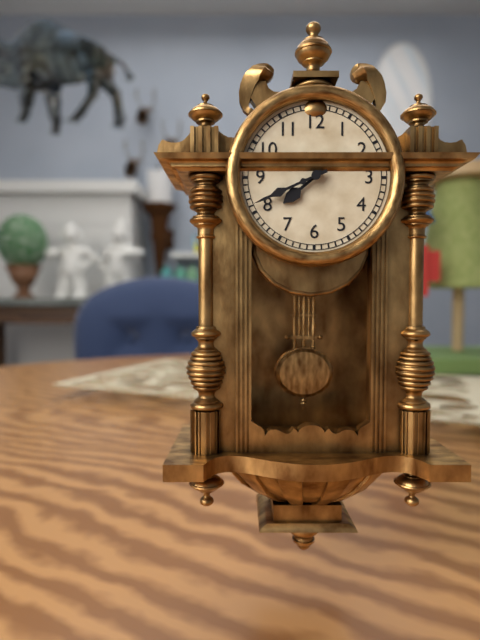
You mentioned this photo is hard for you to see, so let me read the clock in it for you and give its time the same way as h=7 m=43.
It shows h=7 m=41
